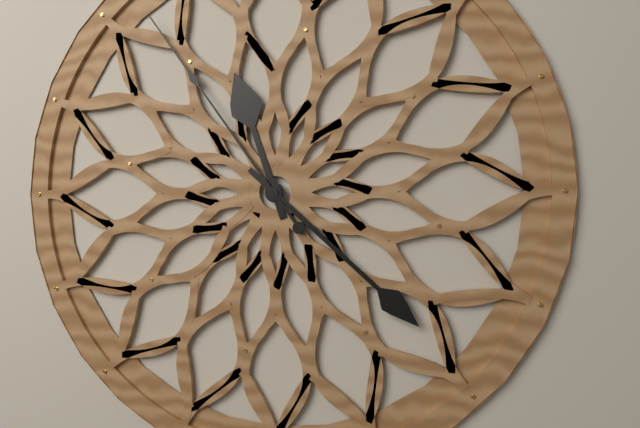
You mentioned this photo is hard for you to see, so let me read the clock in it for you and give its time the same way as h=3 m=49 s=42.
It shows h=11 m=22 s=54
